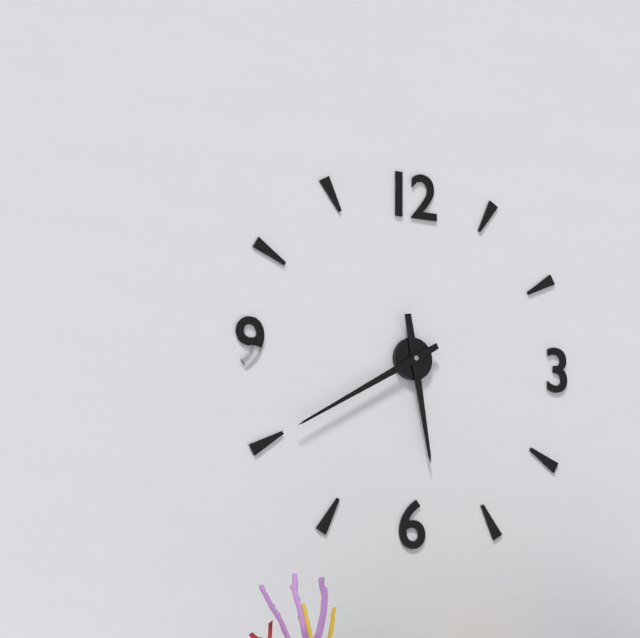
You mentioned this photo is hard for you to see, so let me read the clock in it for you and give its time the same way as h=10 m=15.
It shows h=5 m=40
